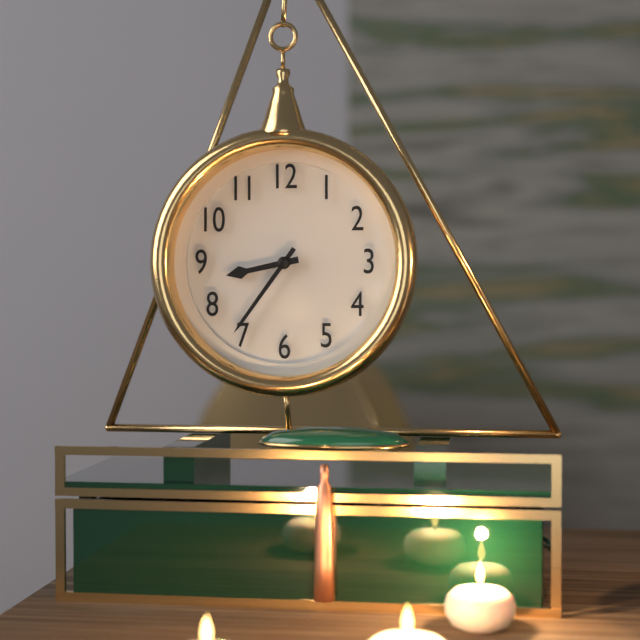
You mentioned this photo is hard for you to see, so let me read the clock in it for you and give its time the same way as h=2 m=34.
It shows h=8 m=36
